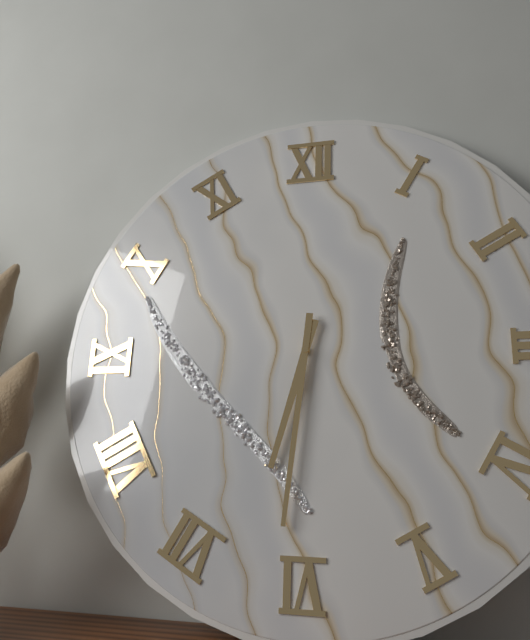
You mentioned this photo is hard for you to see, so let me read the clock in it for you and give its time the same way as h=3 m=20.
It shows h=6 m=31
